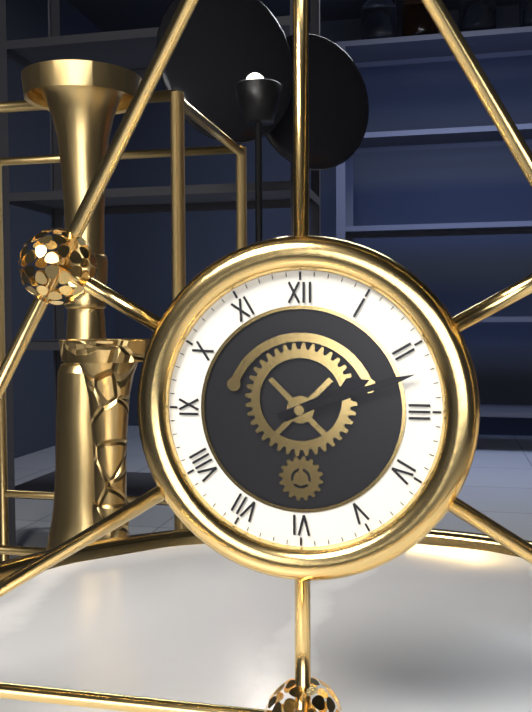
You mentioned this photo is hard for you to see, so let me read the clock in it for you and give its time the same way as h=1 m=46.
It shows h=2 m=12
